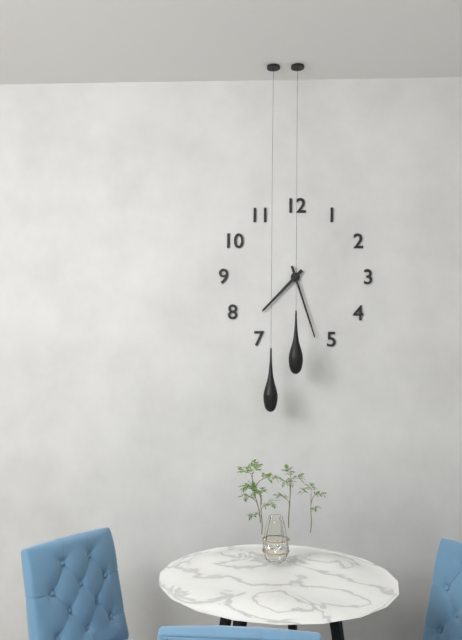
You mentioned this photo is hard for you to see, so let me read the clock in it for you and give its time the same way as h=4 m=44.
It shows h=7 m=27
